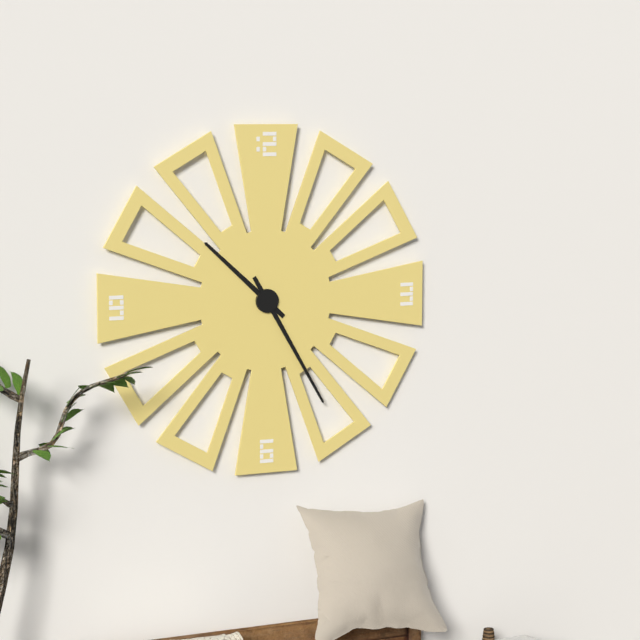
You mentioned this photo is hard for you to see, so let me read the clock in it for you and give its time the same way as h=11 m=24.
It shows h=10 m=25
